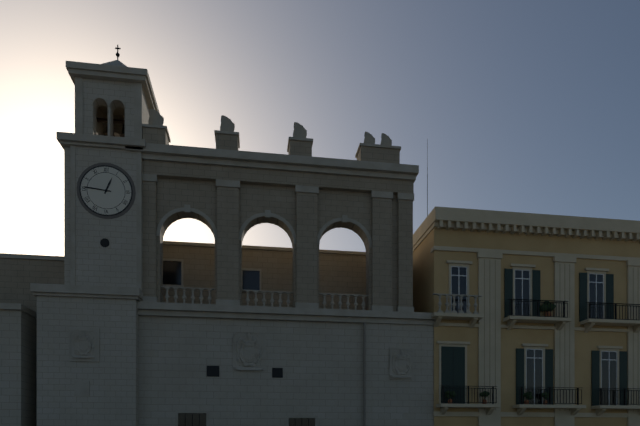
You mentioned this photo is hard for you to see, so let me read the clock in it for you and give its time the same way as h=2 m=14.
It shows h=12 m=46
